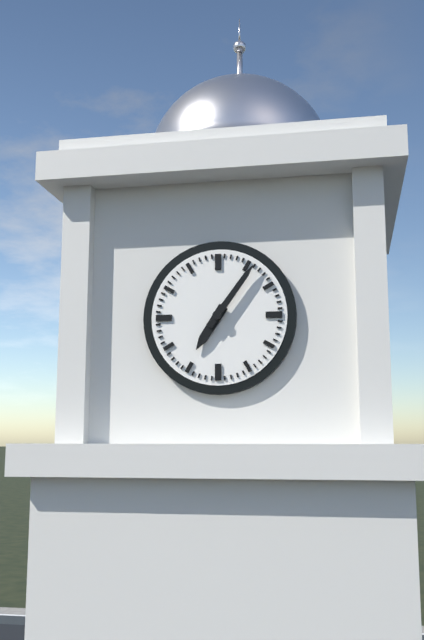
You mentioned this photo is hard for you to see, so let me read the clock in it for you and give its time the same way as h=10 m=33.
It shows h=7 m=6
